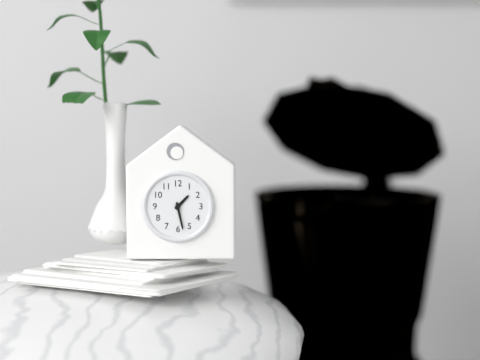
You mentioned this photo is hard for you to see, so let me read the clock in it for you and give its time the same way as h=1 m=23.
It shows h=1 m=28
